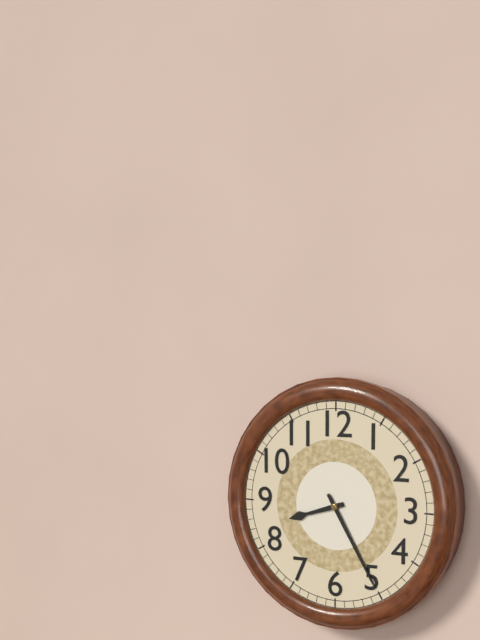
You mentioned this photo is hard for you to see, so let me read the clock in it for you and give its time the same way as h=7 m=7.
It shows h=8 m=25
